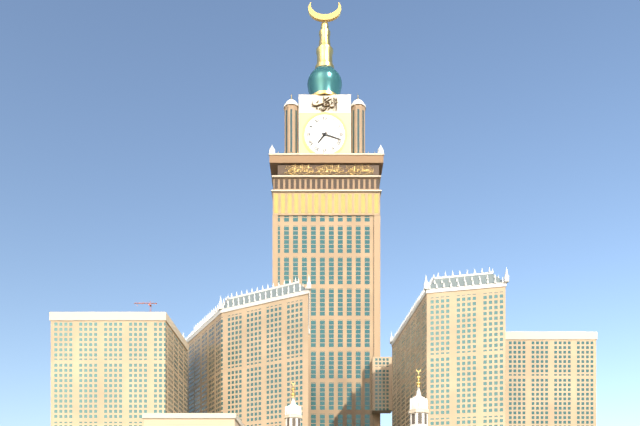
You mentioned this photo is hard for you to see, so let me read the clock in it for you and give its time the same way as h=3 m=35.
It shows h=7 m=18
